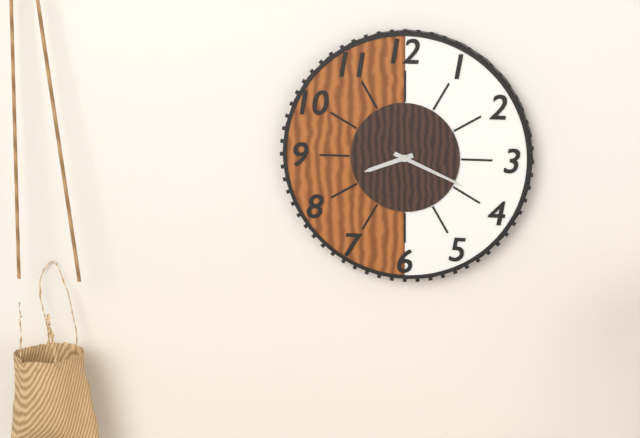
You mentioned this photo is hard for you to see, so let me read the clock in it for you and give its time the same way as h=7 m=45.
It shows h=8 m=19
